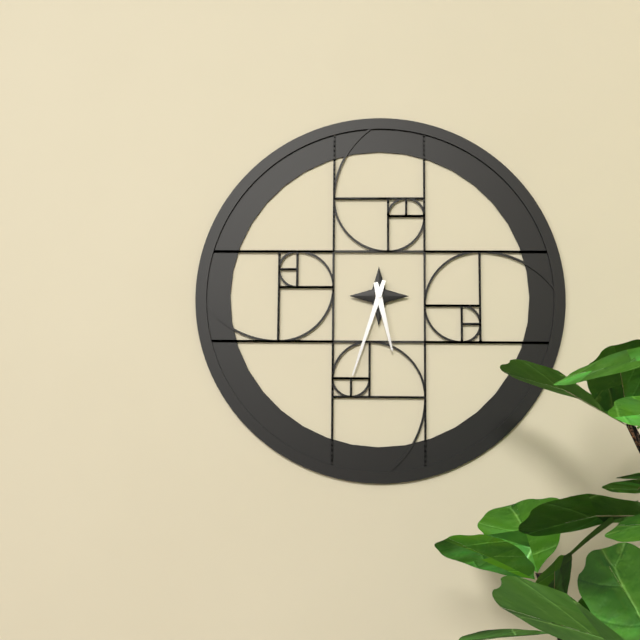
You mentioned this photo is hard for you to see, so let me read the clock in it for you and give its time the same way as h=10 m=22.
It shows h=5 m=33
